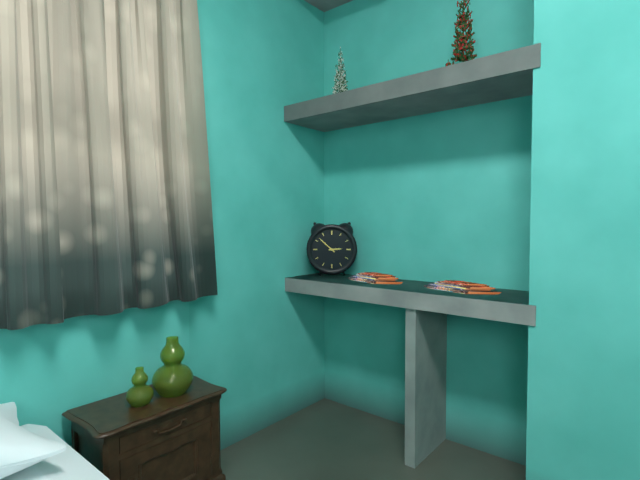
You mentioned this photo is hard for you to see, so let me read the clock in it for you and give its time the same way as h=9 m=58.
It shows h=2 m=52
